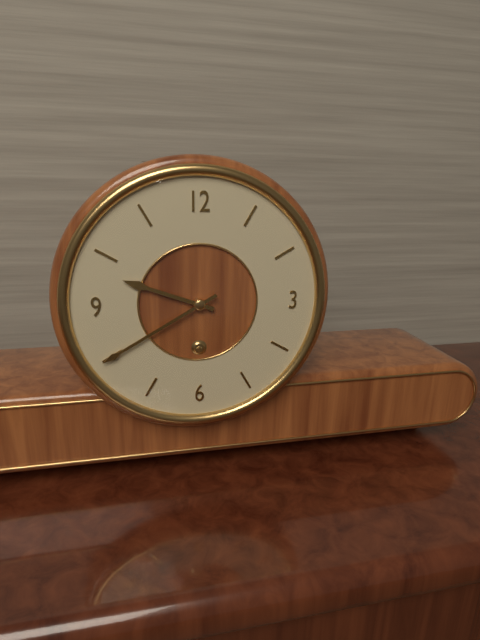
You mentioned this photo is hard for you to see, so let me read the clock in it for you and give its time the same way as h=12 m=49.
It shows h=9 m=40
